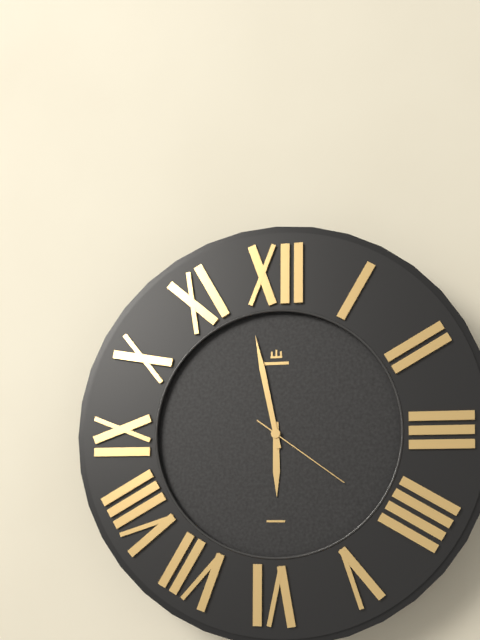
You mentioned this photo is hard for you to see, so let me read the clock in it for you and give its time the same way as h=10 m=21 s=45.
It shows h=5 m=58 s=21
